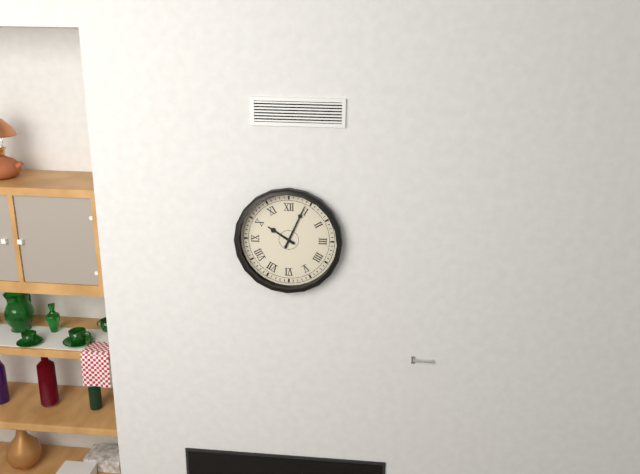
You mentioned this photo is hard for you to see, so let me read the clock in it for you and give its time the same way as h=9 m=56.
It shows h=10 m=4
